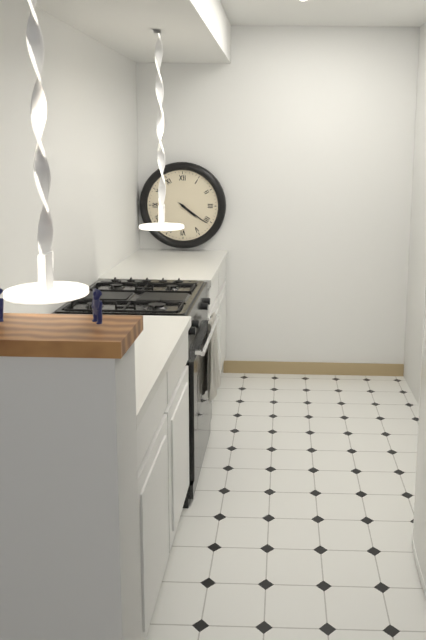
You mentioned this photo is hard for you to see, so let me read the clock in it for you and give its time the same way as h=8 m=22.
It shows h=4 m=21
